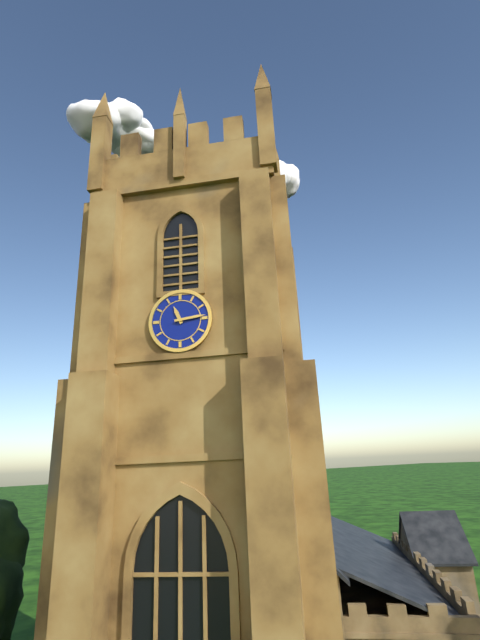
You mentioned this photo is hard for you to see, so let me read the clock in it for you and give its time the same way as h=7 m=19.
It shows h=11 m=14
